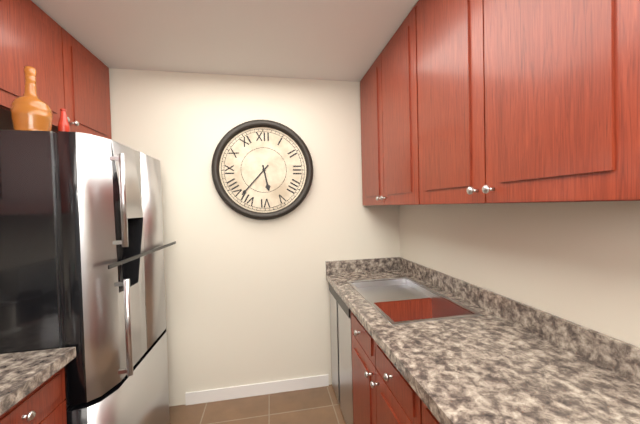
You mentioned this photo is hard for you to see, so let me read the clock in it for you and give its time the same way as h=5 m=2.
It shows h=5 m=37
